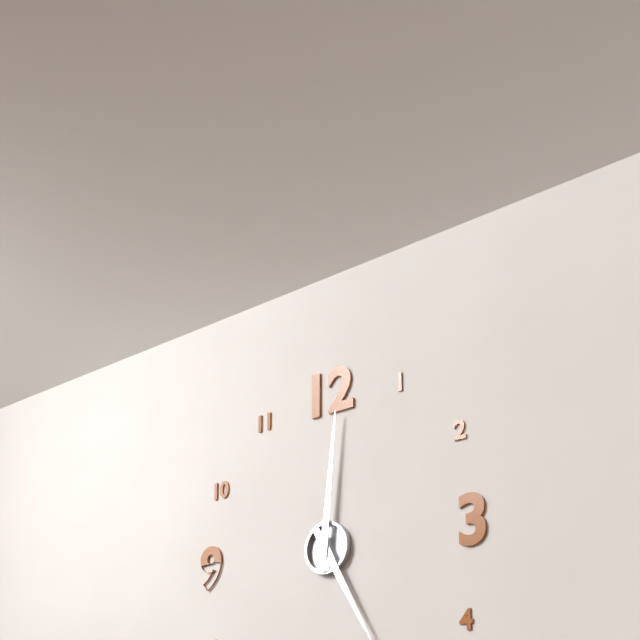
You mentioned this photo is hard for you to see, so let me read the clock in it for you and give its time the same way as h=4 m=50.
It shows h=5 m=1
